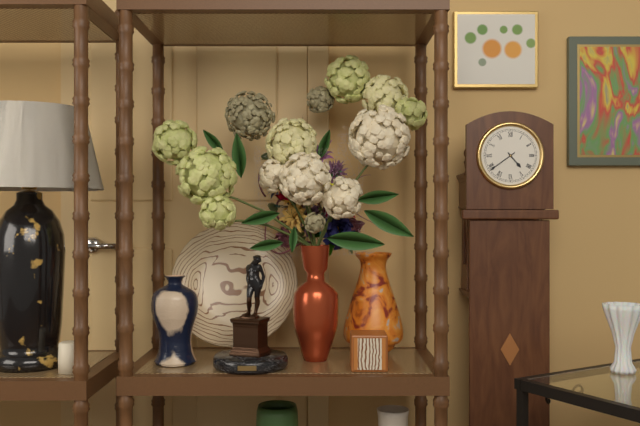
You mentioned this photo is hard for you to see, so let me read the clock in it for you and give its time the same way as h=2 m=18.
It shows h=4 m=39
